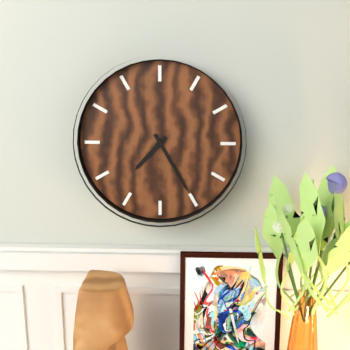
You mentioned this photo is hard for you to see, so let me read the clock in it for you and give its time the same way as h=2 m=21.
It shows h=7 m=25
